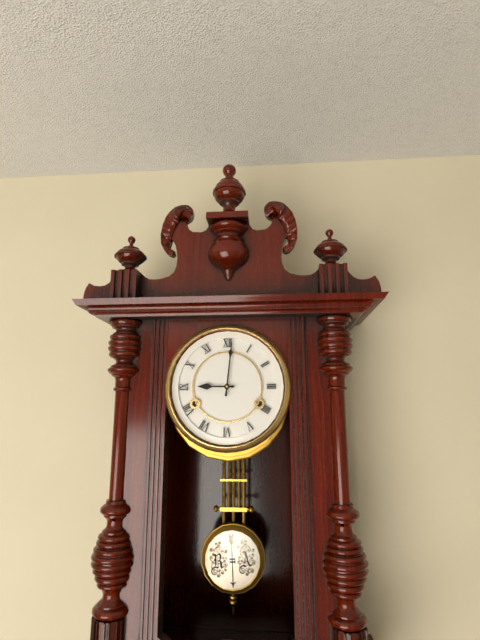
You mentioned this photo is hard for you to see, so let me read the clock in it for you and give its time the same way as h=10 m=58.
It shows h=9 m=1
